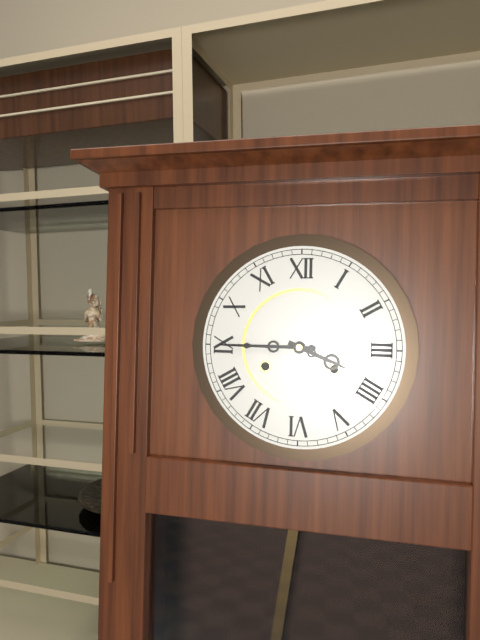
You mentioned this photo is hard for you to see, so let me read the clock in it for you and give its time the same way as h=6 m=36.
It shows h=3 m=45
